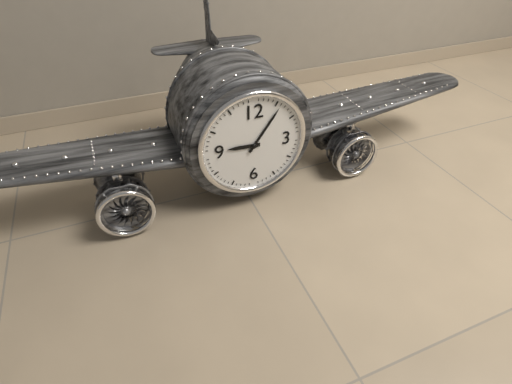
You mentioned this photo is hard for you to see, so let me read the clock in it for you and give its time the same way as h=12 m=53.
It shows h=9 m=6
